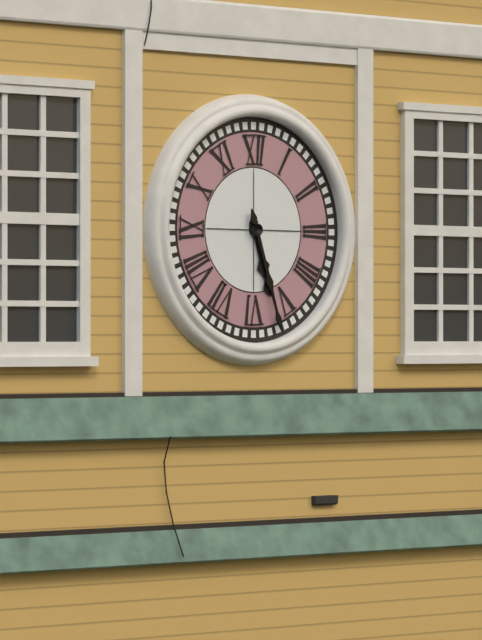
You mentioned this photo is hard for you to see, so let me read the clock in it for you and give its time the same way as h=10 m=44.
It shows h=5 m=27
